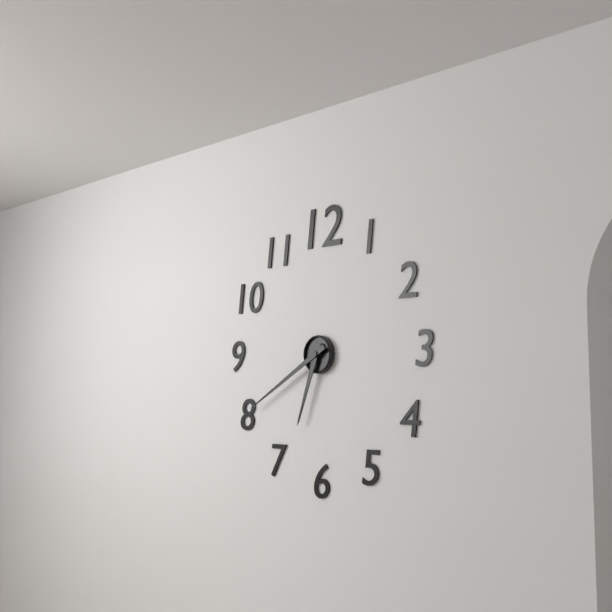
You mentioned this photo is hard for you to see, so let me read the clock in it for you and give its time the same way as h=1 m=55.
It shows h=6 m=40
